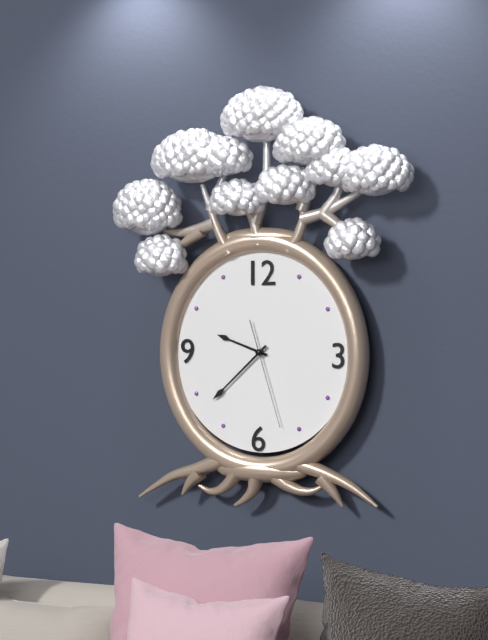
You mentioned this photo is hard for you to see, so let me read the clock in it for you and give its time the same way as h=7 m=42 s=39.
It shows h=9 m=38 s=27
